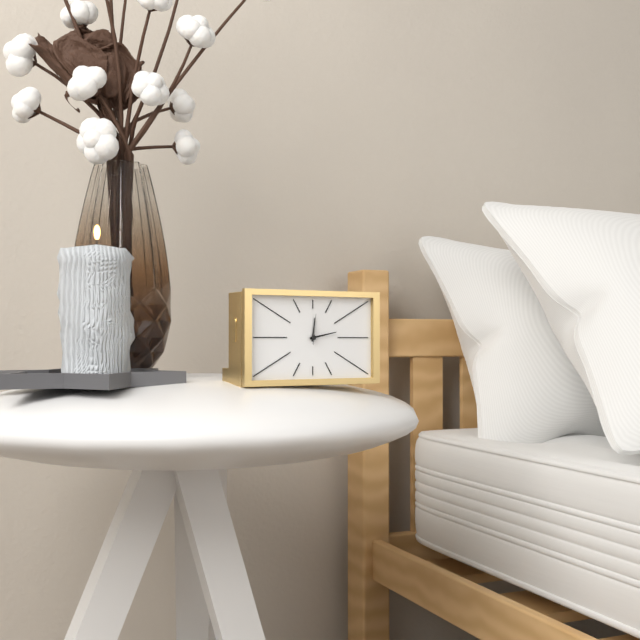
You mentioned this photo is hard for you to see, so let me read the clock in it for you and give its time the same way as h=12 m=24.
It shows h=12 m=13
